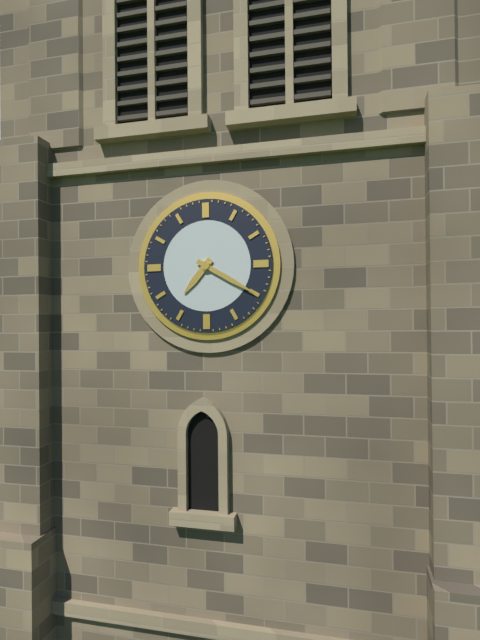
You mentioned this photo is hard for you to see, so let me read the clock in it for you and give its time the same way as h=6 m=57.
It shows h=7 m=20
